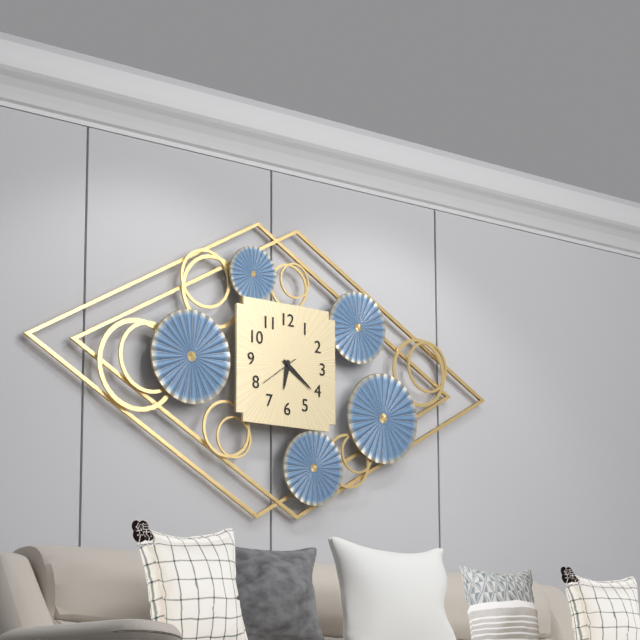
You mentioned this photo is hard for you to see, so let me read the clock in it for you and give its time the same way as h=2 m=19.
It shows h=6 m=21
